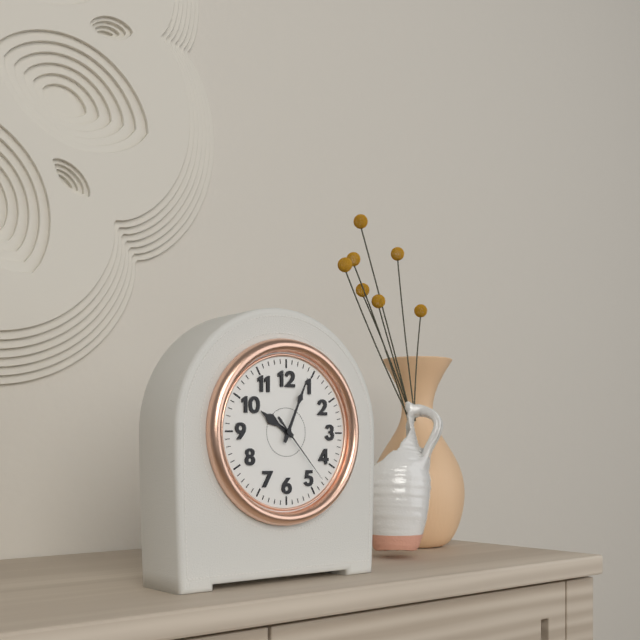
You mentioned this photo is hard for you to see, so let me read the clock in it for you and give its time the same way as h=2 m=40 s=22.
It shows h=10 m=4 s=23
